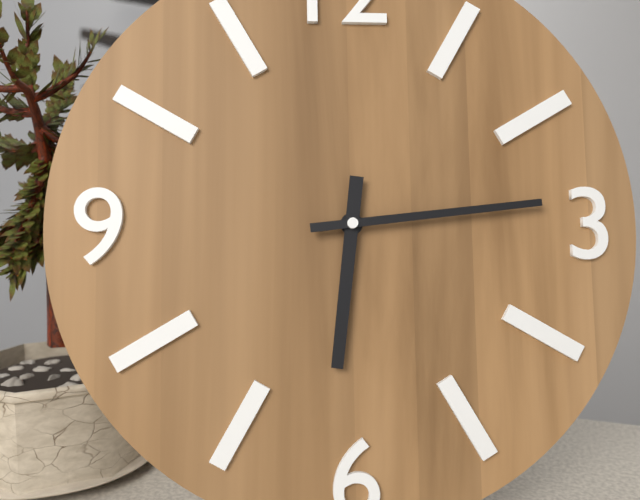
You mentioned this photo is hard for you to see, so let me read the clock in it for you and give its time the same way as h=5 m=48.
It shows h=6 m=14
